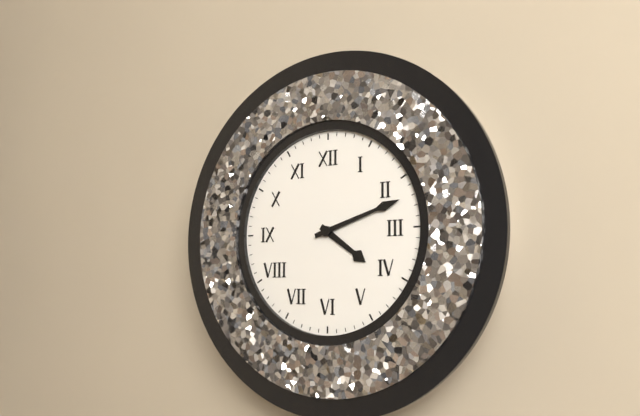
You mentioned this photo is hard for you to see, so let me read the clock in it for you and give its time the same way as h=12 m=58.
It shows h=4 m=12
